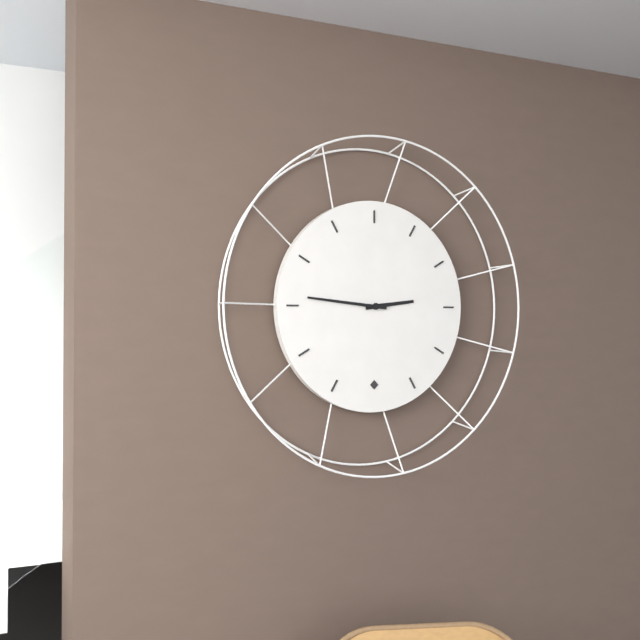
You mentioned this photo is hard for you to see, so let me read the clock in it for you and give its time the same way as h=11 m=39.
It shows h=2 m=46
